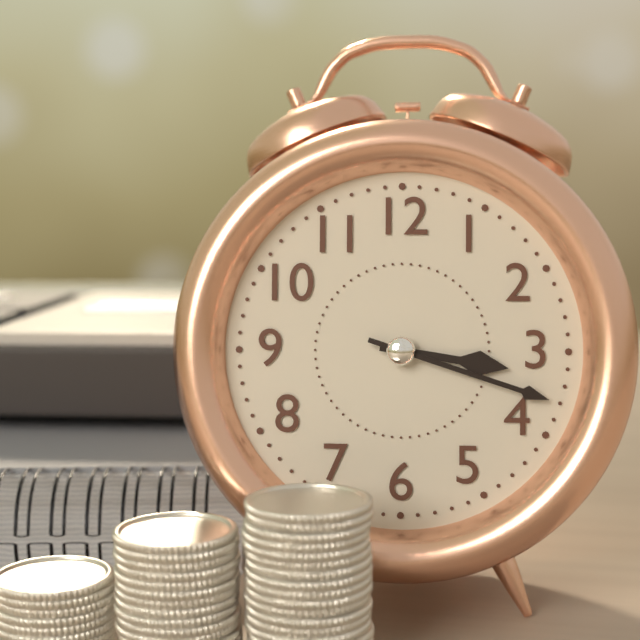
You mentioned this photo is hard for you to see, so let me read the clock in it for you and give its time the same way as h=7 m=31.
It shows h=3 m=18
